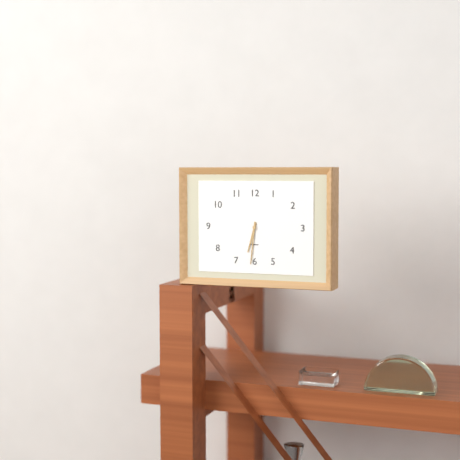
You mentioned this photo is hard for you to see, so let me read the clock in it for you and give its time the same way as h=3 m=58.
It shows h=6 m=31
